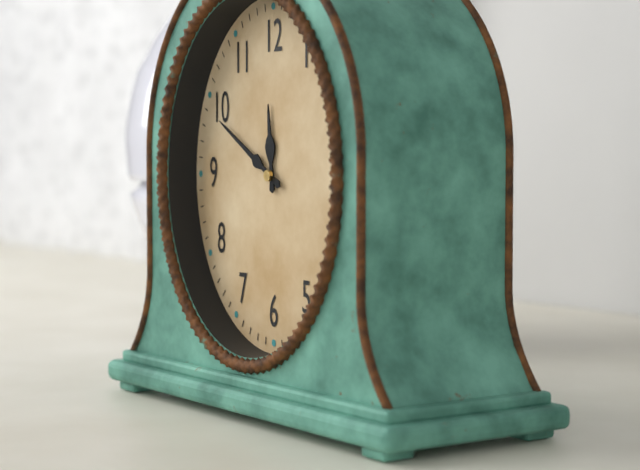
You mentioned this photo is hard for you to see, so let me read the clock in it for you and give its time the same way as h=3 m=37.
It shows h=11 m=50
